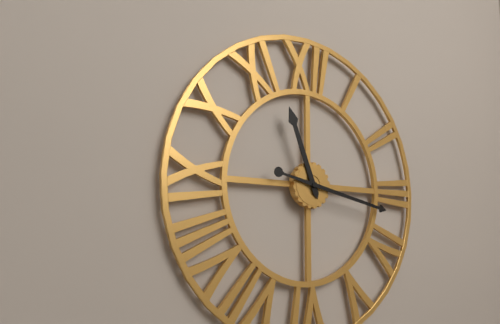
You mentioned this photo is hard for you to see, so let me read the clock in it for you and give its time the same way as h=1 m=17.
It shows h=11 m=17
